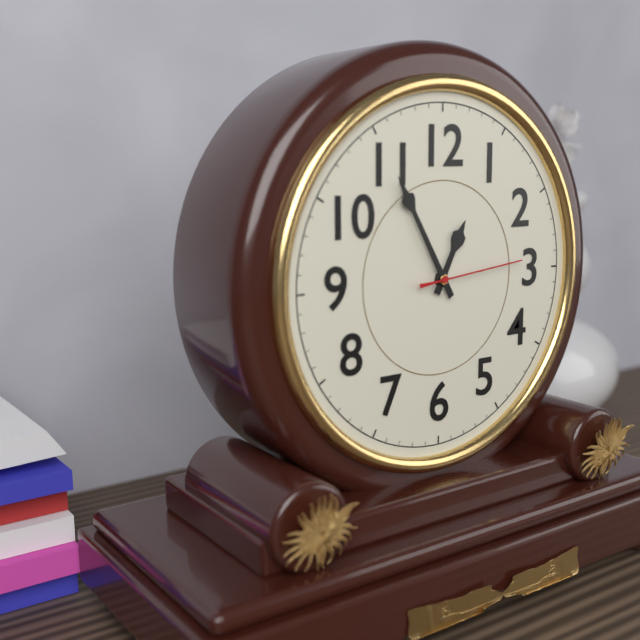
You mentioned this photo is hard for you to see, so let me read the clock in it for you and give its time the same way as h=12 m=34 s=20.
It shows h=12 m=55 s=14
